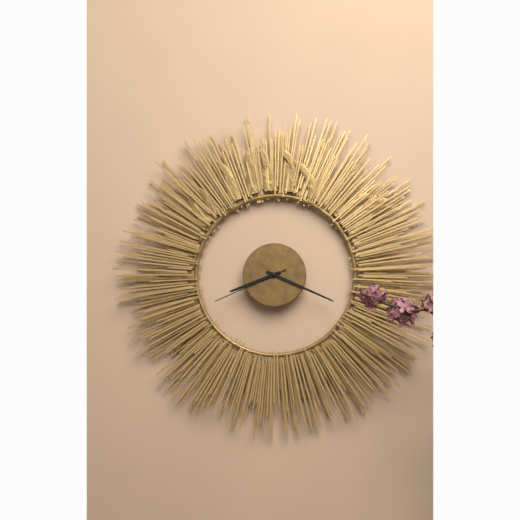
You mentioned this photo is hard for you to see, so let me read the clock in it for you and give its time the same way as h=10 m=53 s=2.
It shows h=8 m=19 s=41
